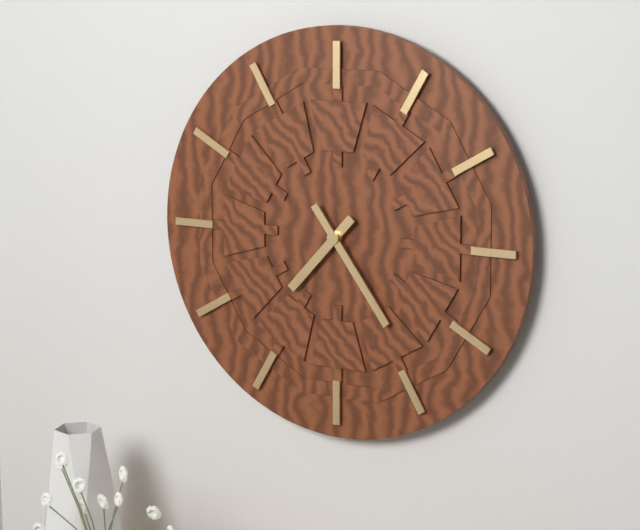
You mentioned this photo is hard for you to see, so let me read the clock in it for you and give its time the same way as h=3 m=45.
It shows h=7 m=24
